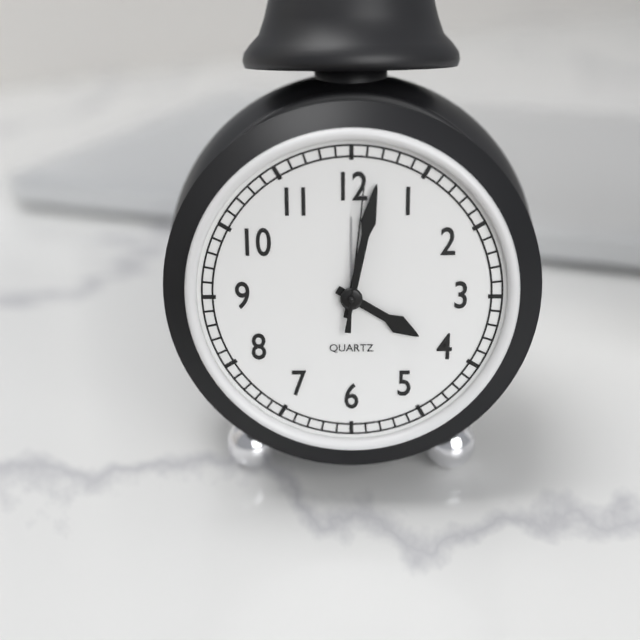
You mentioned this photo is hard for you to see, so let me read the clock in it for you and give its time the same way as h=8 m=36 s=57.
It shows h=4 m=2 s=1
